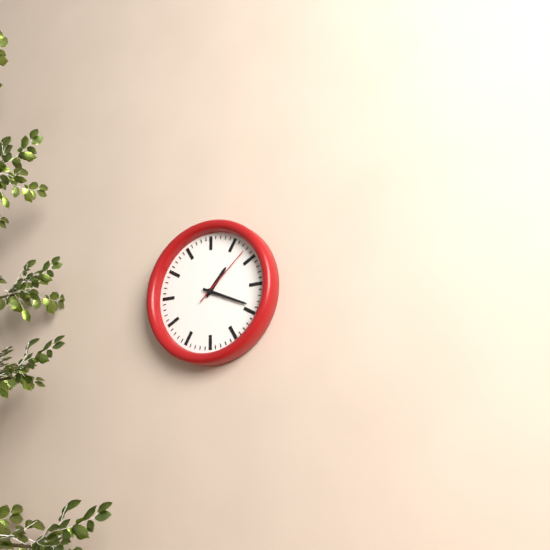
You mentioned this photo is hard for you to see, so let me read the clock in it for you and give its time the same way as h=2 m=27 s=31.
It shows h=1 m=19 s=8
